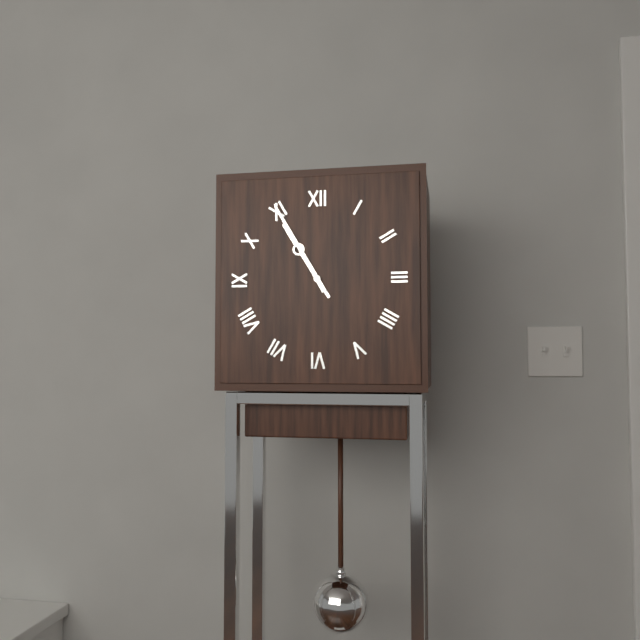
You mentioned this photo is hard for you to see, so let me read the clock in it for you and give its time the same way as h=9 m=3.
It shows h=10 m=55
